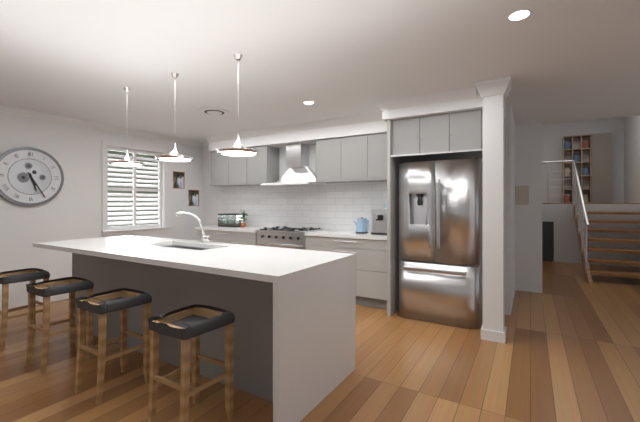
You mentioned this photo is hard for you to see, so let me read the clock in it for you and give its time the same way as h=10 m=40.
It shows h=5 m=25
